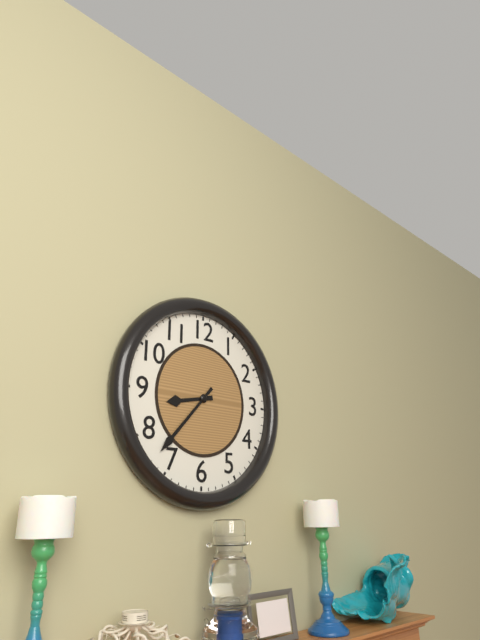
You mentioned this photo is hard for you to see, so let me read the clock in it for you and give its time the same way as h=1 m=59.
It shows h=8 m=37
